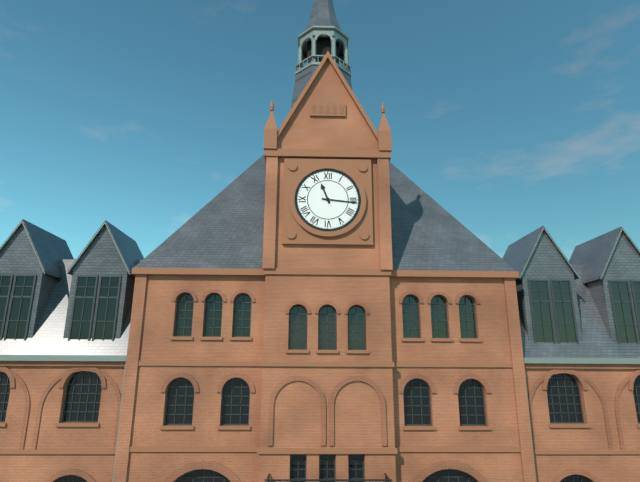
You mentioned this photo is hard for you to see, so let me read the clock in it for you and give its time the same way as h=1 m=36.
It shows h=11 m=16
